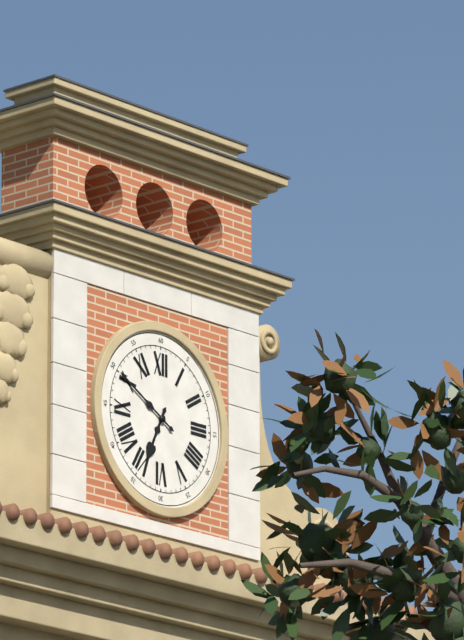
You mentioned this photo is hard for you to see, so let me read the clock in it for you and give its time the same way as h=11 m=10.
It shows h=6 m=50
